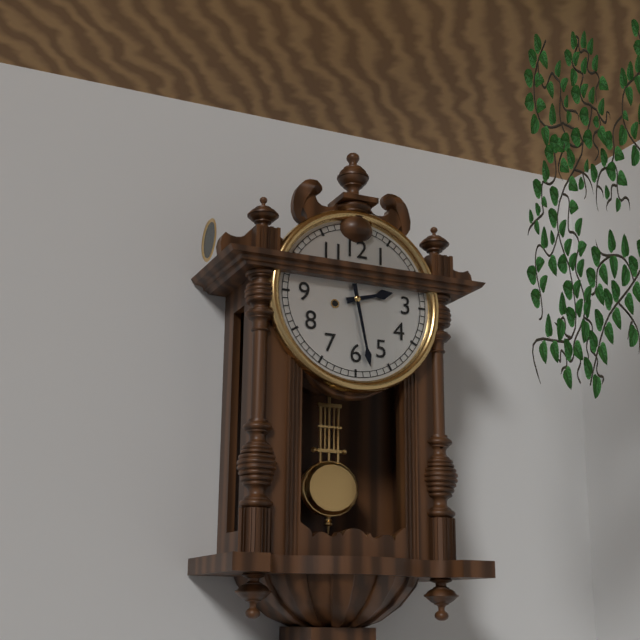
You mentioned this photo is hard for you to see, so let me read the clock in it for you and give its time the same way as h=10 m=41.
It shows h=2 m=28
